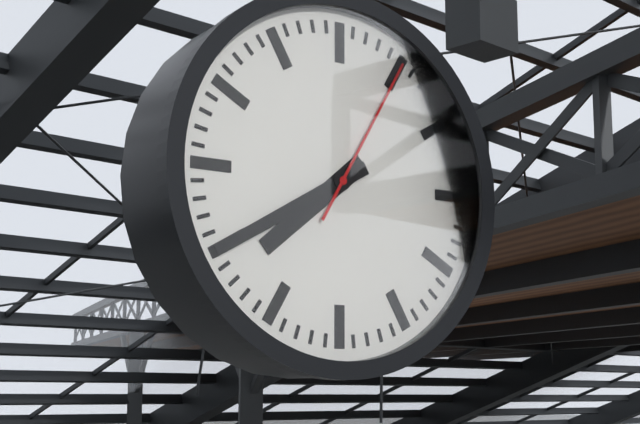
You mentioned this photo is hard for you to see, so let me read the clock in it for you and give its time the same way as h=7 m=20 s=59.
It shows h=7 m=40 s=5
